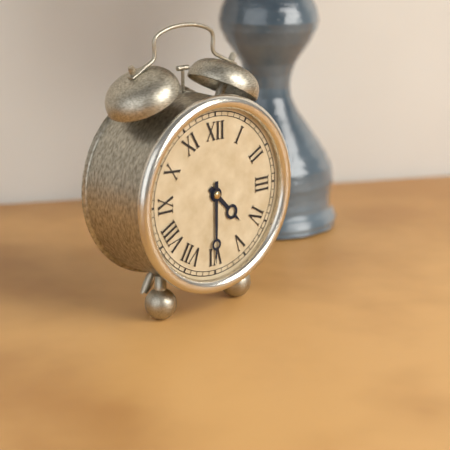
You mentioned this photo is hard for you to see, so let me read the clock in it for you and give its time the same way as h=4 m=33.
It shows h=4 m=30
